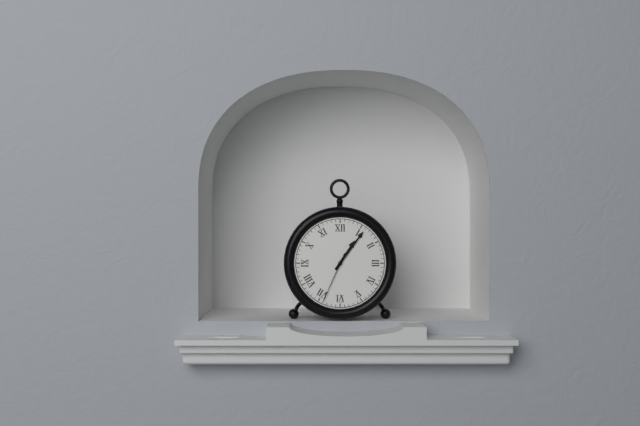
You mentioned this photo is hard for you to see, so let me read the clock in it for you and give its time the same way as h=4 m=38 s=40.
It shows h=1 m=6 s=34
